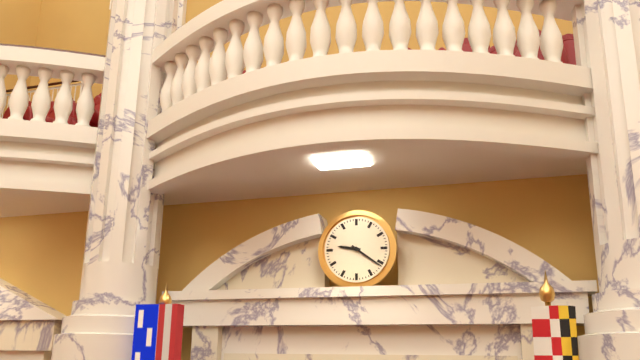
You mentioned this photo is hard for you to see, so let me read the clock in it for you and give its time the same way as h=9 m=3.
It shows h=9 m=21
